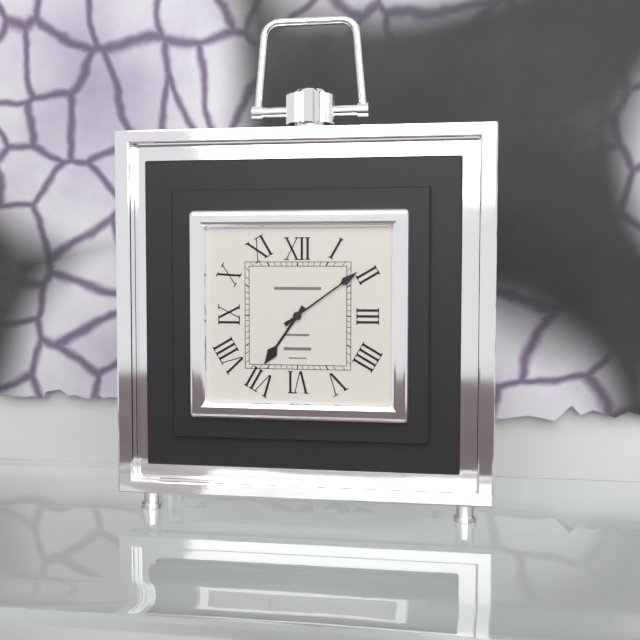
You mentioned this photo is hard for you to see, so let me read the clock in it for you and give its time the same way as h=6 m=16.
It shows h=7 m=9
